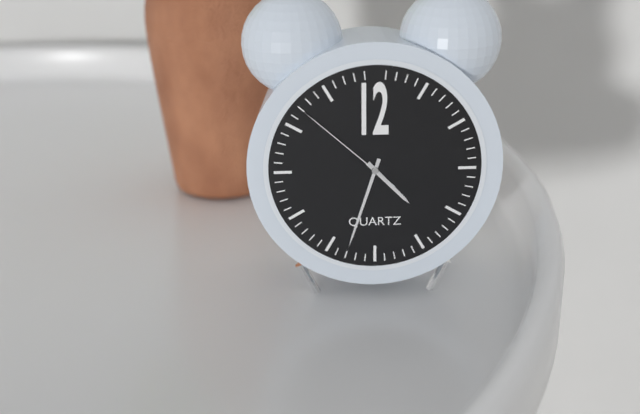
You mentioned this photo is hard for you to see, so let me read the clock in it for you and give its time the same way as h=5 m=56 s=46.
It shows h=4 m=33 s=52
